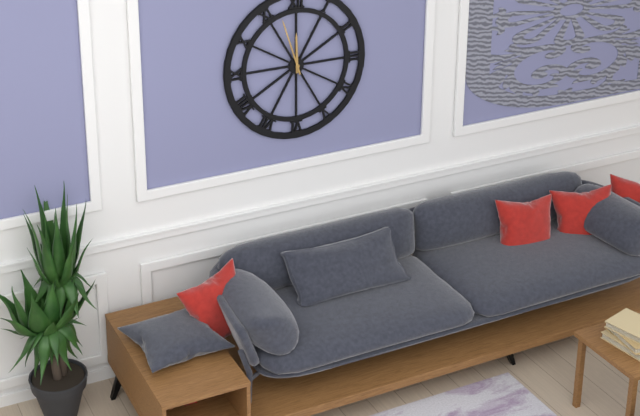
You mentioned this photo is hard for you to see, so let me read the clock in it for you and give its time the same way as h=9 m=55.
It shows h=11 m=57
